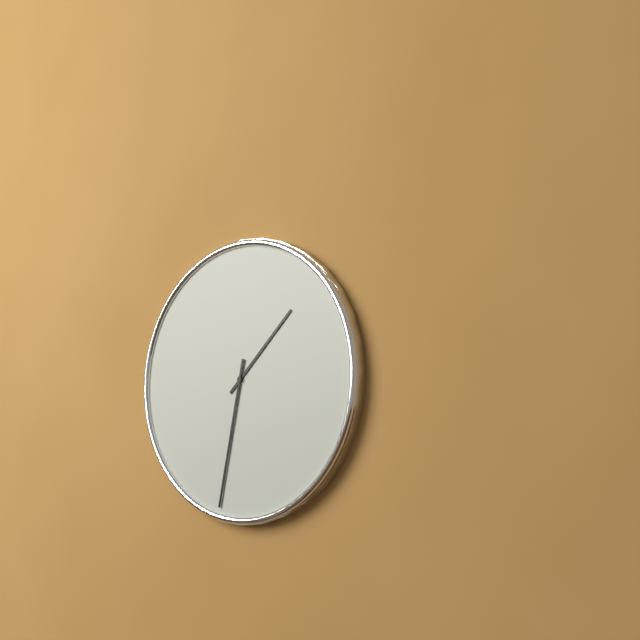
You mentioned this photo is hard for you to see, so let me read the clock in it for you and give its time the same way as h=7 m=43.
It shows h=1 m=32
